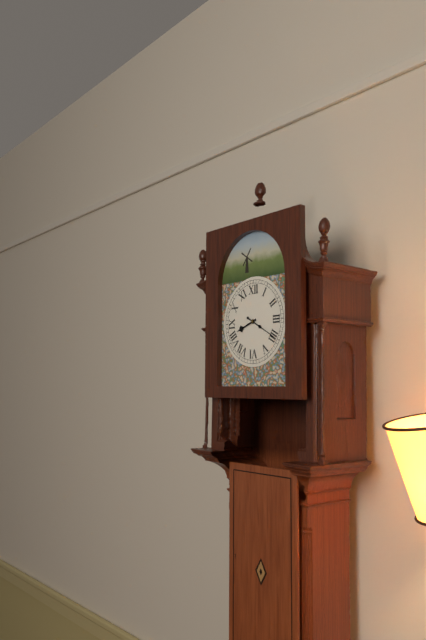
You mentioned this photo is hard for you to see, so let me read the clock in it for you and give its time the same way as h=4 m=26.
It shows h=8 m=20
